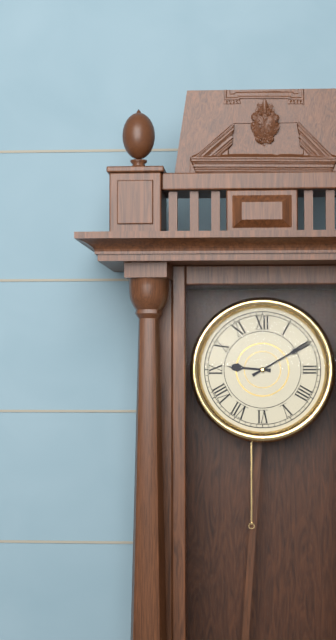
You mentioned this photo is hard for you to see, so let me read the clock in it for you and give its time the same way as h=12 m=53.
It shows h=9 m=10
